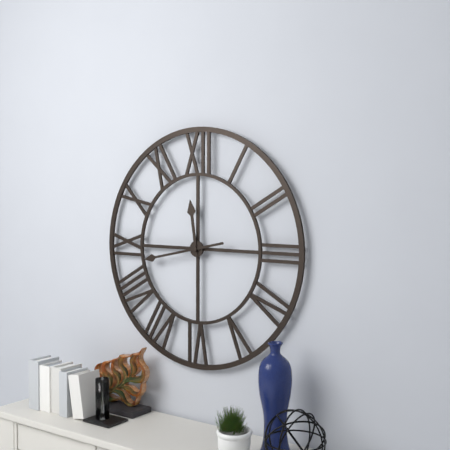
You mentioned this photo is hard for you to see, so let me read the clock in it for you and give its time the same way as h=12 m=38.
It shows h=11 m=43
